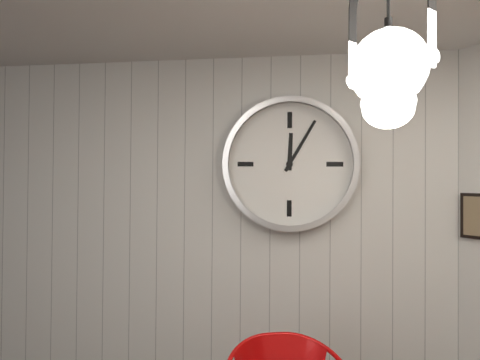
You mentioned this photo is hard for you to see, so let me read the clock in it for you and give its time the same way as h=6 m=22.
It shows h=12 m=5
